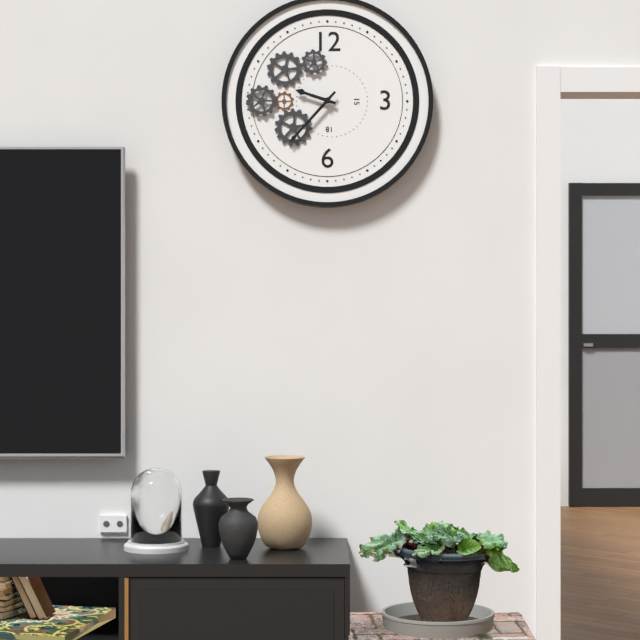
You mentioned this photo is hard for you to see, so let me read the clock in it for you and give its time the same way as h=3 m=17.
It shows h=9 m=37
